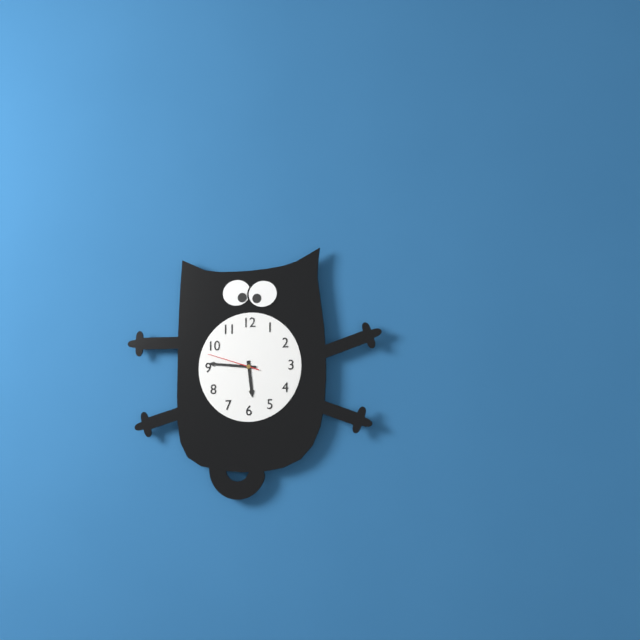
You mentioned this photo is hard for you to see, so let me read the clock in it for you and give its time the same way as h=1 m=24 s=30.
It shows h=5 m=46 s=48
